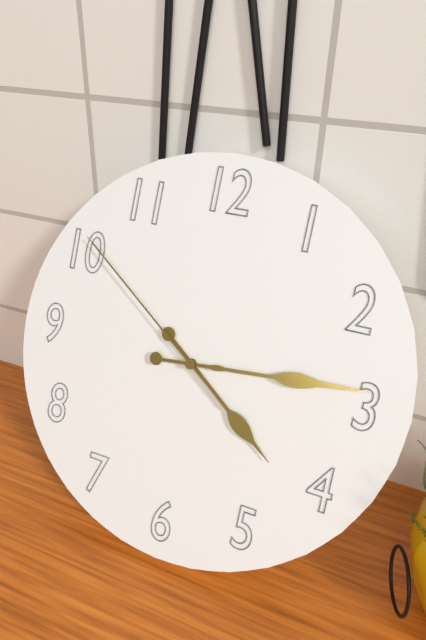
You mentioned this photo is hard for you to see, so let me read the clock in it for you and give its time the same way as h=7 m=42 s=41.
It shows h=4 m=14 s=51
